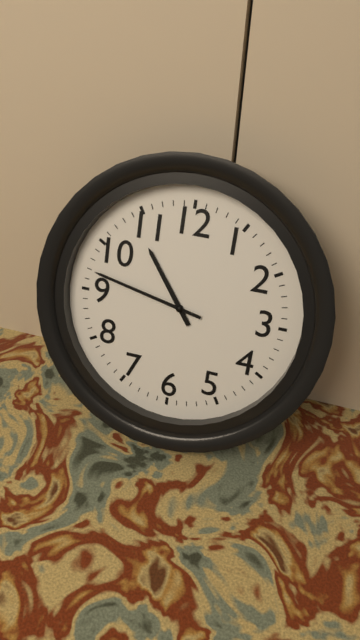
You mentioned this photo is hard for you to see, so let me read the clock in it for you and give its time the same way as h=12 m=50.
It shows h=10 m=47
